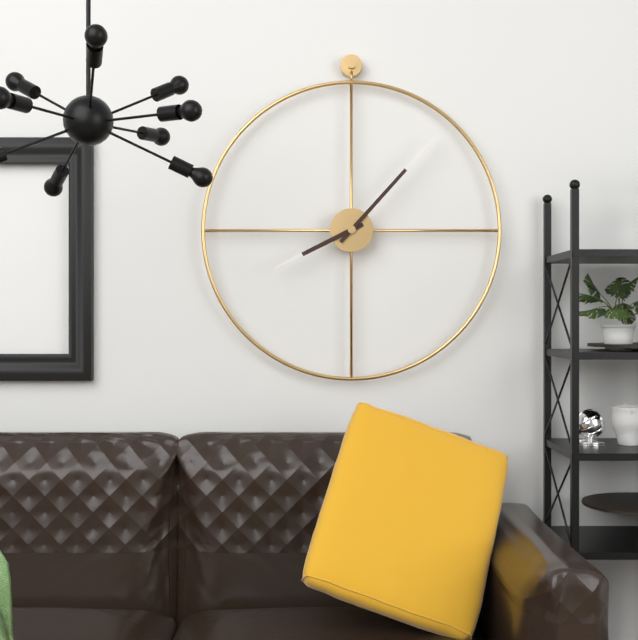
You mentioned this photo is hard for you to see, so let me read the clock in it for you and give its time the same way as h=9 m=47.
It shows h=8 m=7
